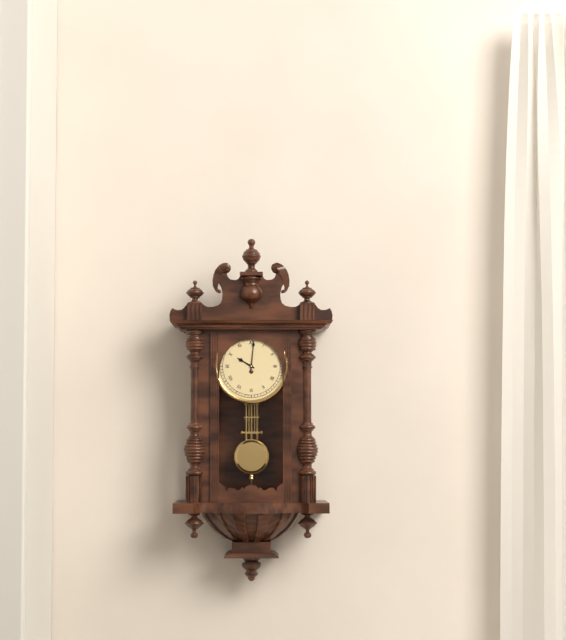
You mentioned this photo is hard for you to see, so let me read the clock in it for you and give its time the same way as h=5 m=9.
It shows h=10 m=1
